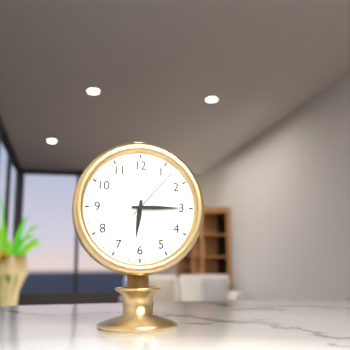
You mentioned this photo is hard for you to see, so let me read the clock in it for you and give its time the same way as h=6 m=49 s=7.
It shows h=6 m=15 s=7
